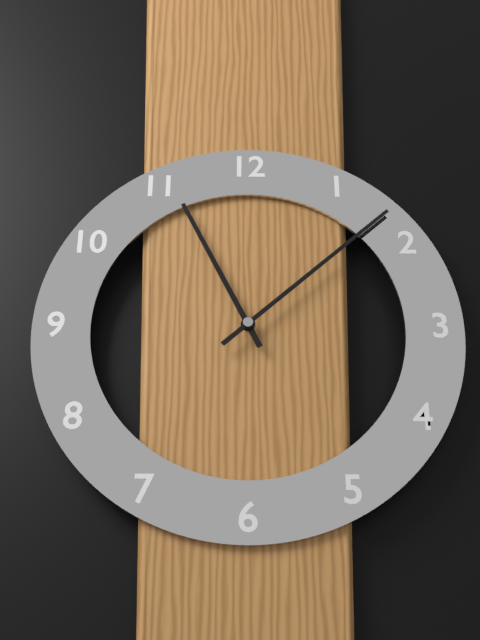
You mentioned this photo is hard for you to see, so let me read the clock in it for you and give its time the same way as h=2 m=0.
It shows h=11 m=8
